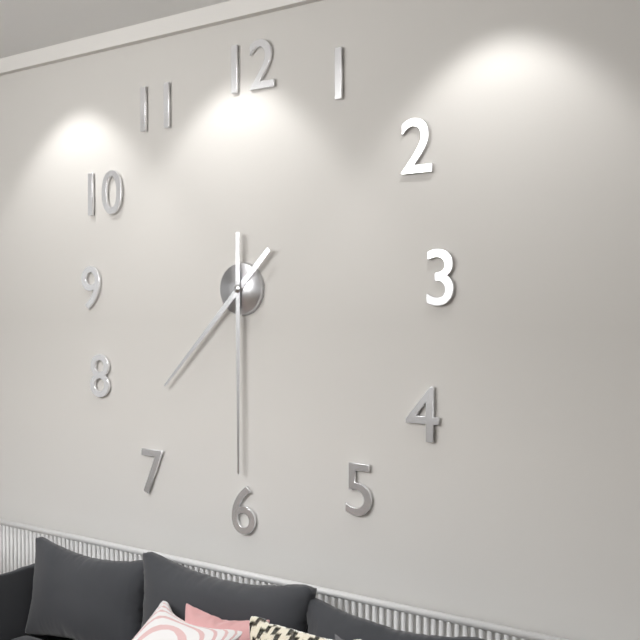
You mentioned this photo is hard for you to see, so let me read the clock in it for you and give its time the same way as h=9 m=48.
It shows h=7 m=30
